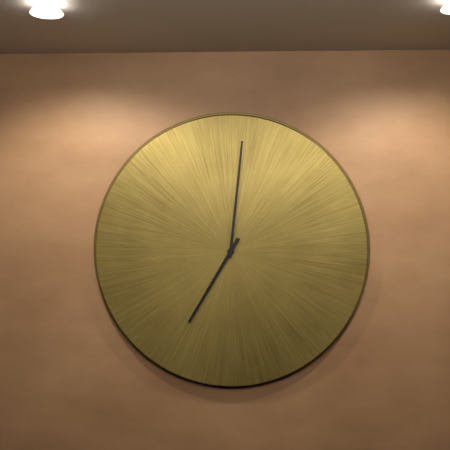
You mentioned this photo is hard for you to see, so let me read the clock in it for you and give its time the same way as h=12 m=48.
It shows h=7 m=1
